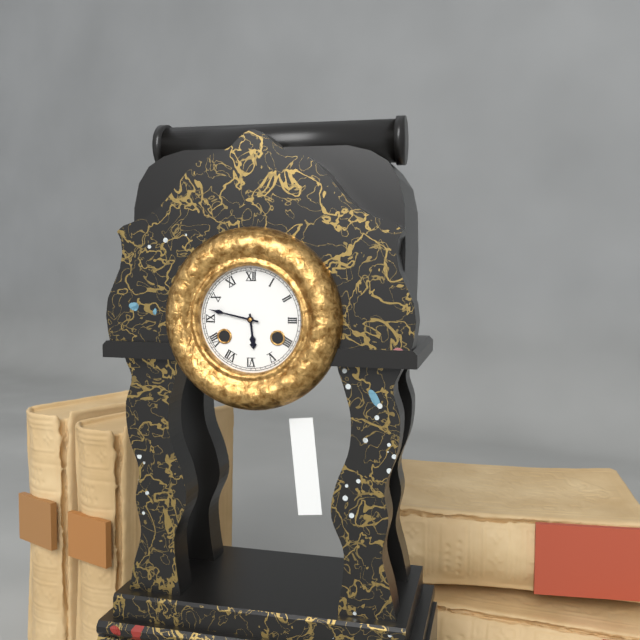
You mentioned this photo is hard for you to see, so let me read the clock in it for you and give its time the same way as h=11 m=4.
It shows h=5 m=47
